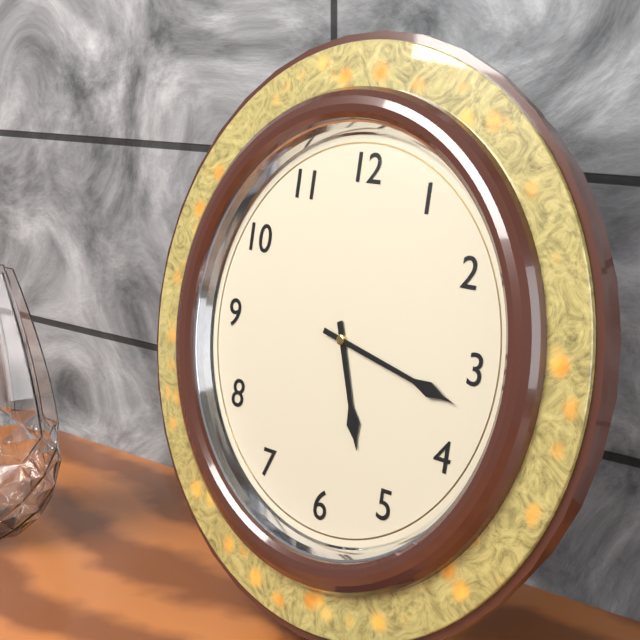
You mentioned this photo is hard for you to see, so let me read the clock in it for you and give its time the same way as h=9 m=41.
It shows h=5 m=17
